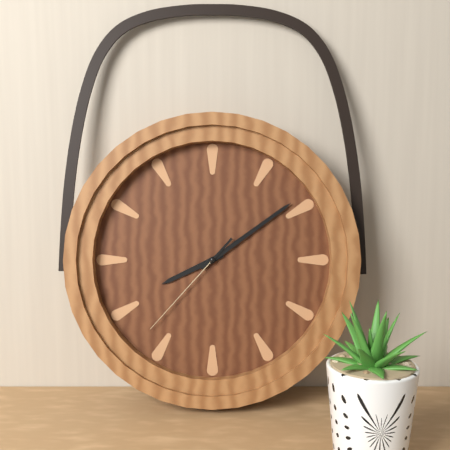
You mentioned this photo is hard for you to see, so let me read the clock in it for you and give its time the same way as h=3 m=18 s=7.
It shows h=8 m=9 s=37
